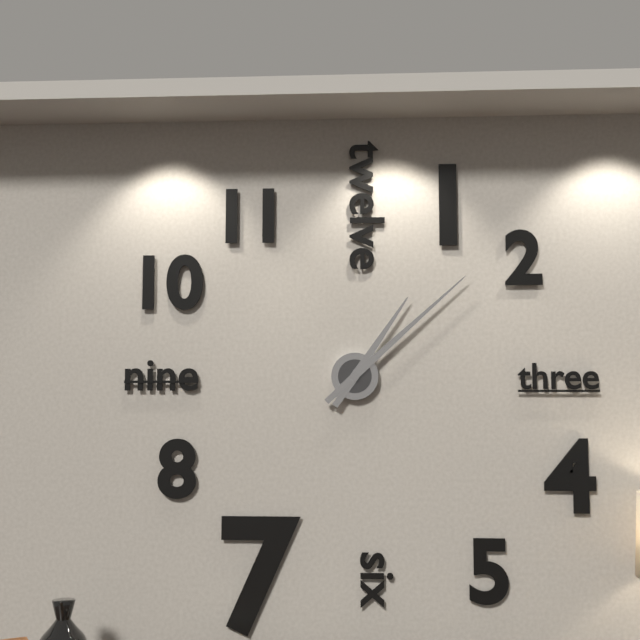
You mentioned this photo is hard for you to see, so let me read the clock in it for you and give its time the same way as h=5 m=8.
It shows h=1 m=8
